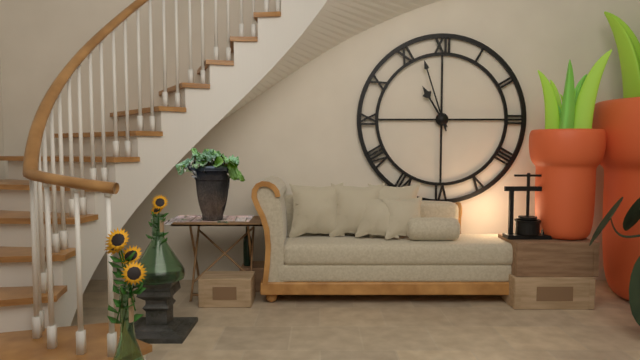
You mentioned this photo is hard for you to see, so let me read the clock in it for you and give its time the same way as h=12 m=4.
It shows h=10 m=57
